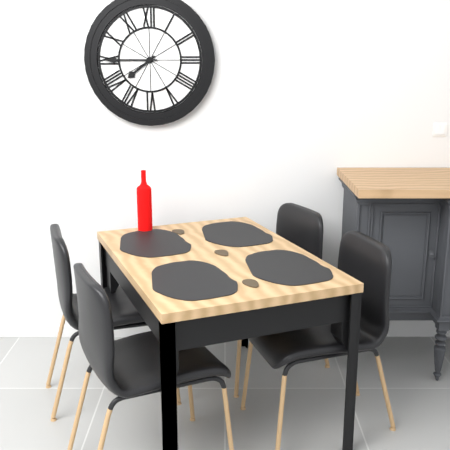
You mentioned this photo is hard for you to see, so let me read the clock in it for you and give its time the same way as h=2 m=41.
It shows h=7 m=45
